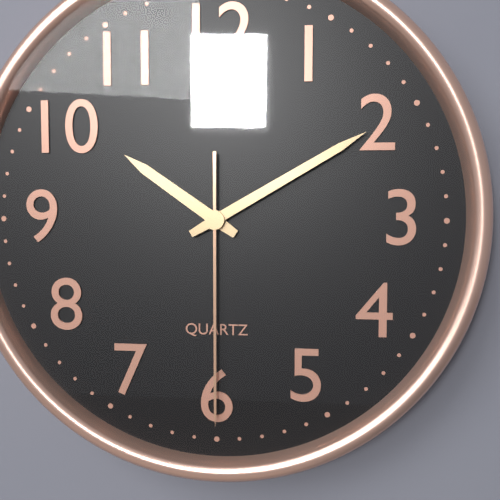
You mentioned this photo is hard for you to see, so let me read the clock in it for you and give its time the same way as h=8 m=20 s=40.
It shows h=10 m=10 s=30
